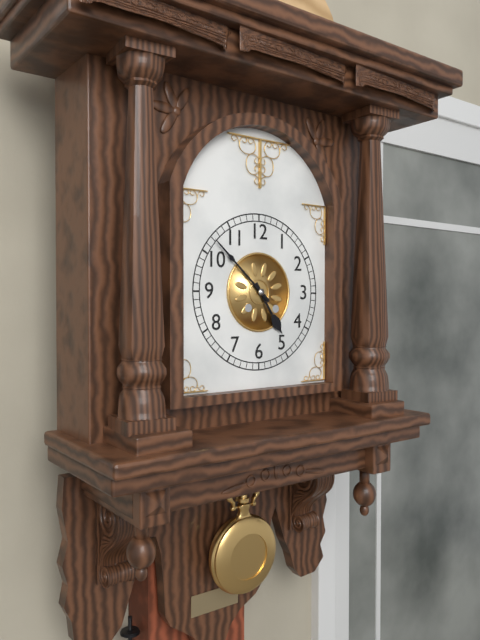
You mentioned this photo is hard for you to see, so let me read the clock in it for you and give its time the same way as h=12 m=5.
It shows h=4 m=52
